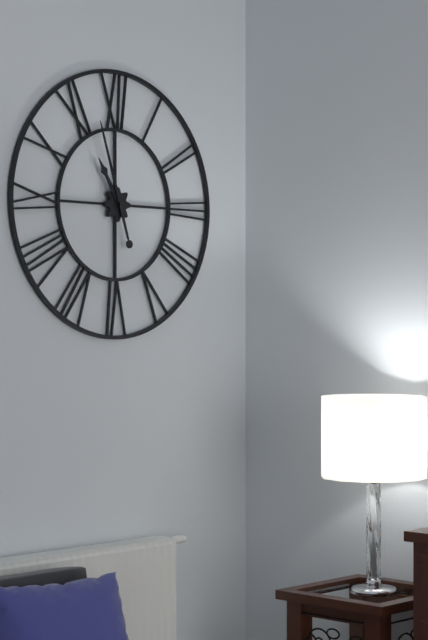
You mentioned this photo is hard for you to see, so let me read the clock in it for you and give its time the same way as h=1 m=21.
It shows h=10 m=57
